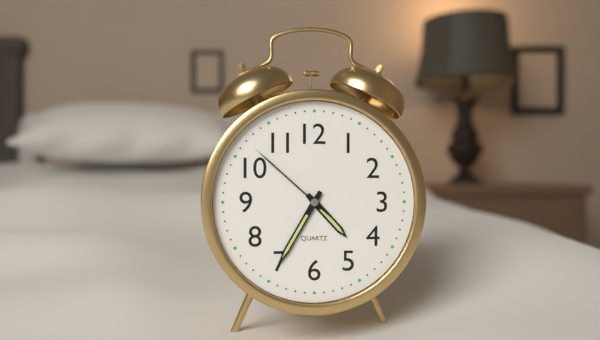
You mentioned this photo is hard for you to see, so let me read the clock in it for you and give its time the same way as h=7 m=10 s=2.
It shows h=4 m=35 s=52
